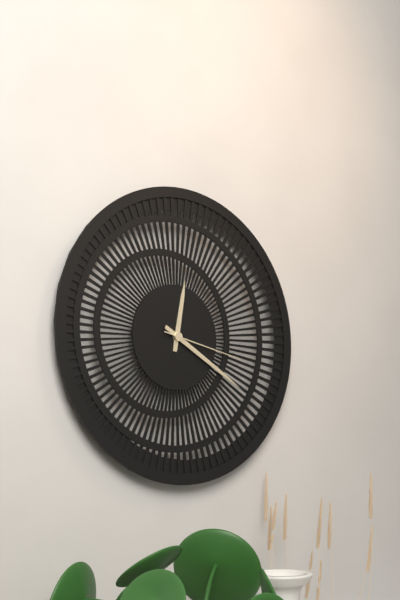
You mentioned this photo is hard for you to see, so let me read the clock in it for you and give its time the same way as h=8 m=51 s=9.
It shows h=12 m=20 s=17
